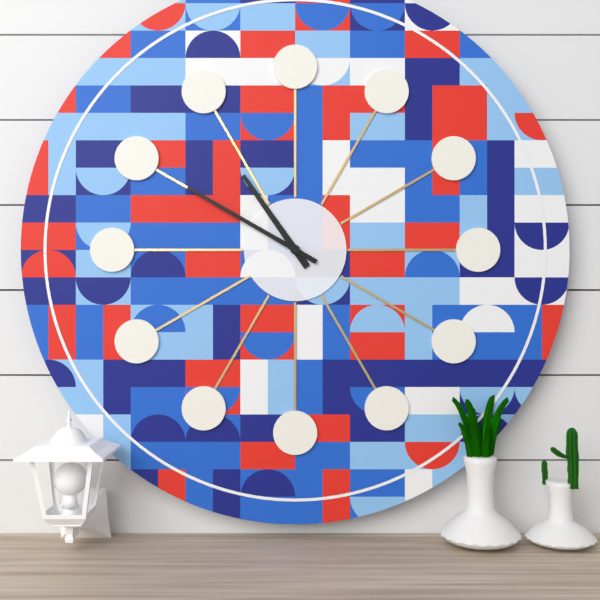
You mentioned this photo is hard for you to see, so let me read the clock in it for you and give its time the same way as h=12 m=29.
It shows h=10 m=50
